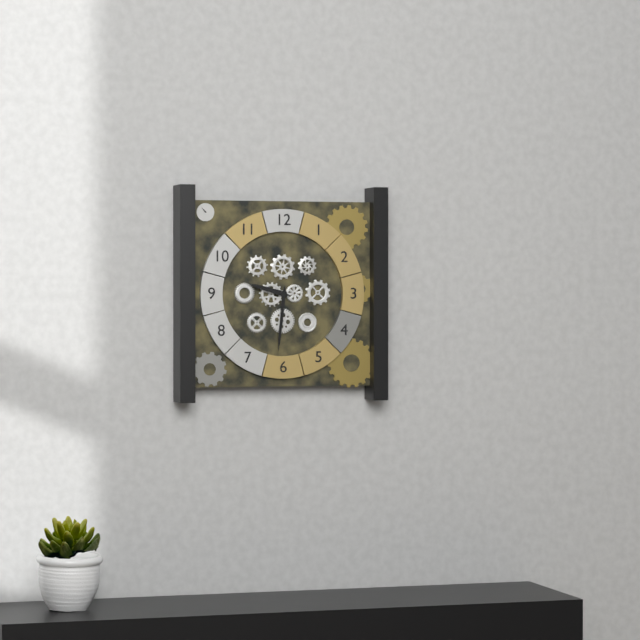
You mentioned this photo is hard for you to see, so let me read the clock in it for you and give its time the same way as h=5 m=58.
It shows h=9 m=31
